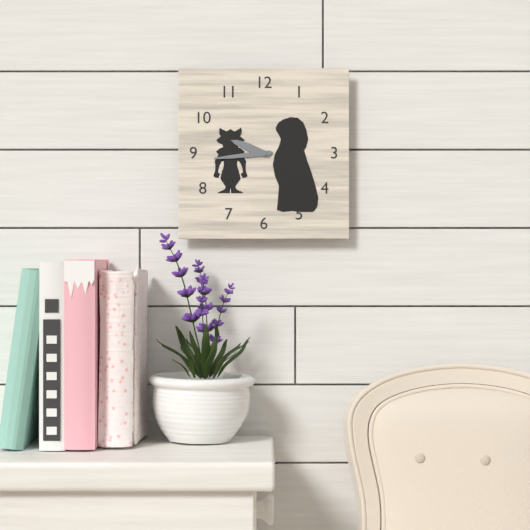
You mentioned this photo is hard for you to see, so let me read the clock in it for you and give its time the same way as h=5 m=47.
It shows h=9 m=44
